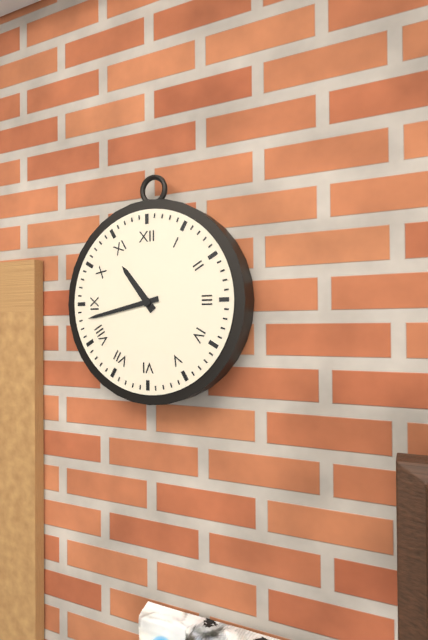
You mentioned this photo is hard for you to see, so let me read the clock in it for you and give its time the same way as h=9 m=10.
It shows h=10 m=43
